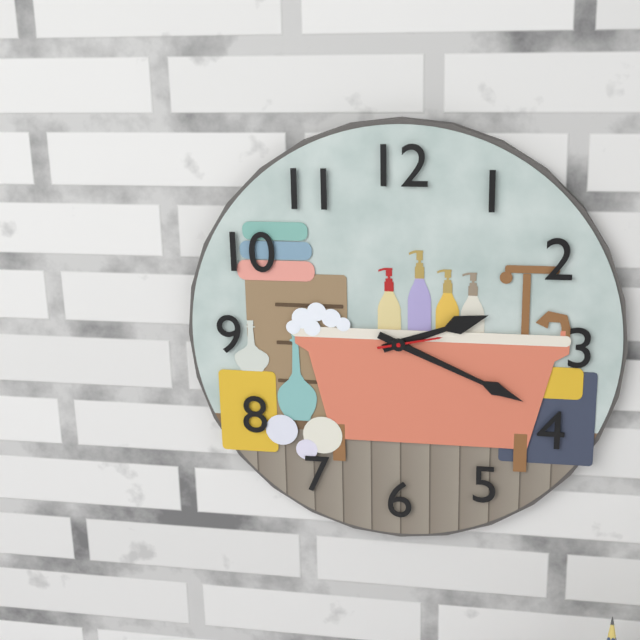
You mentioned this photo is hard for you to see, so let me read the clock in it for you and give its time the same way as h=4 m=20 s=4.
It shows h=2 m=19 s=13
